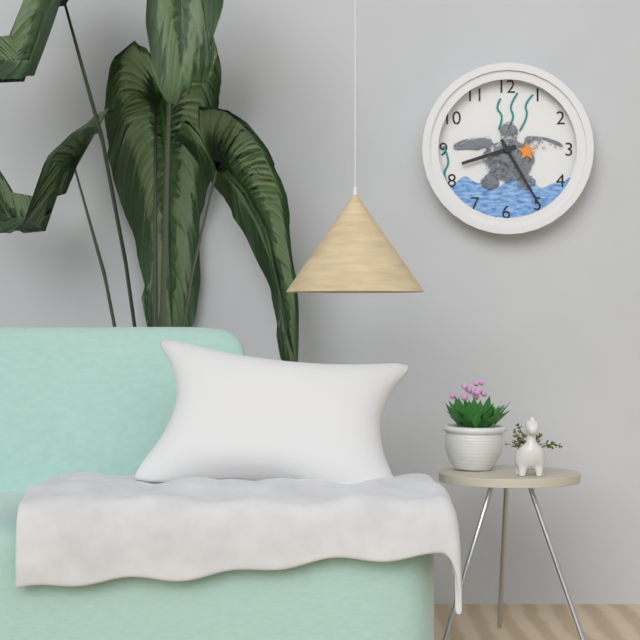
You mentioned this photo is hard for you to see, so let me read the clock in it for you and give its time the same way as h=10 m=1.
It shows h=8 m=25
